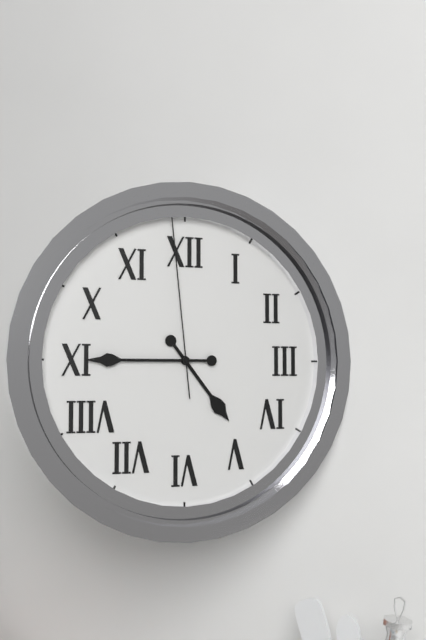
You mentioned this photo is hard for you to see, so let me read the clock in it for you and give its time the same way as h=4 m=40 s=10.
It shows h=4 m=45 s=59
